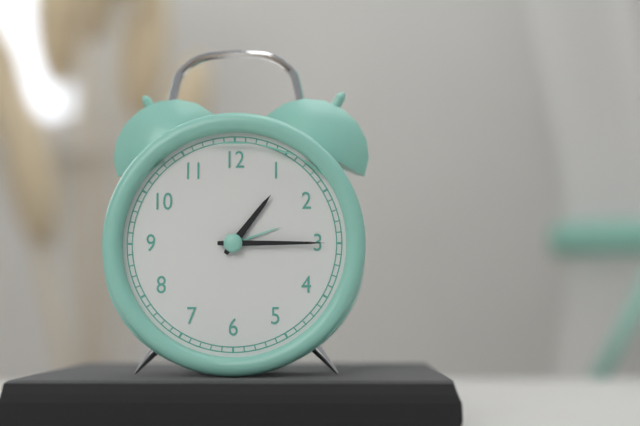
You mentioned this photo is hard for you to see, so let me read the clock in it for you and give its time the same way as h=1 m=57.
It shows h=1 m=15
